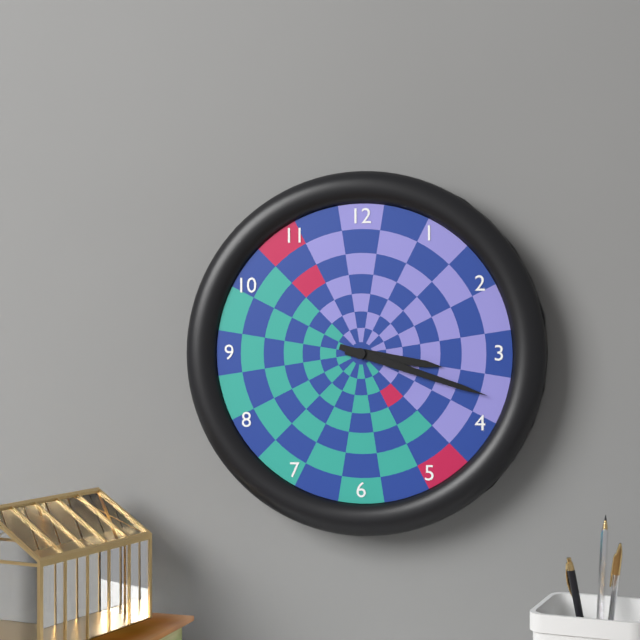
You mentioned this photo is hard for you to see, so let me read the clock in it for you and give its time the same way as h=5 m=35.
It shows h=3 m=18
